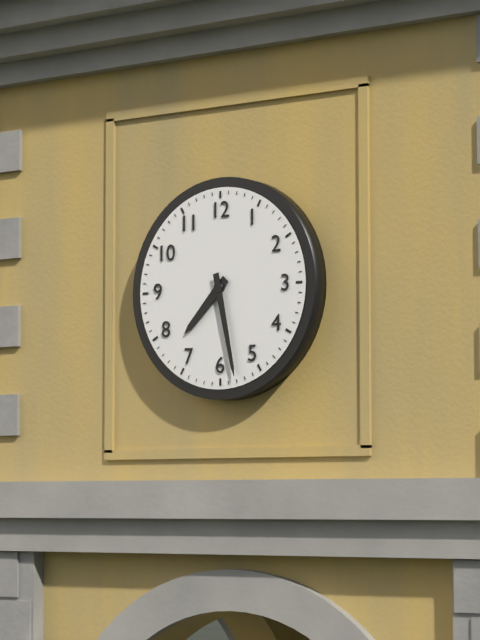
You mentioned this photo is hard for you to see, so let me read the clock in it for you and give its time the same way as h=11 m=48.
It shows h=7 m=28
